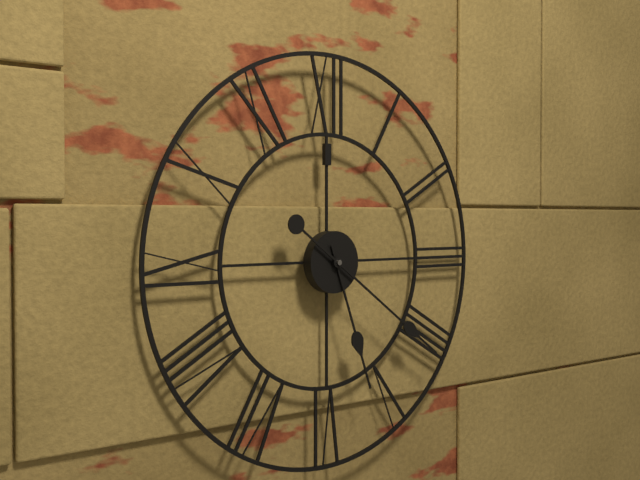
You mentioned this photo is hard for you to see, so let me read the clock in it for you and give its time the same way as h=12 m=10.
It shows h=5 m=21
